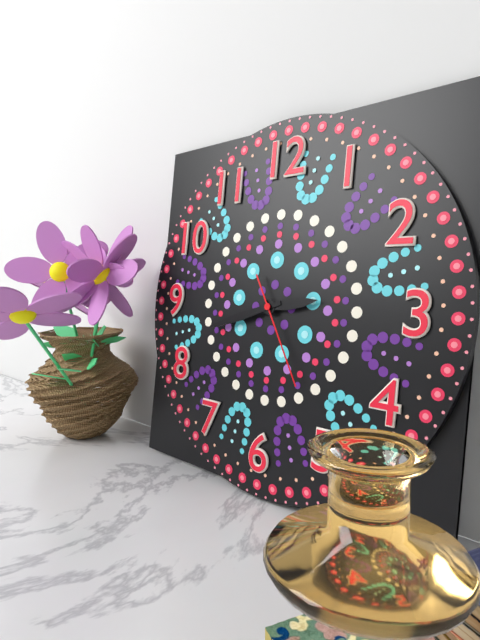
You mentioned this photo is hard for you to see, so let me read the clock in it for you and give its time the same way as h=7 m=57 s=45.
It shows h=2 m=42 s=25
